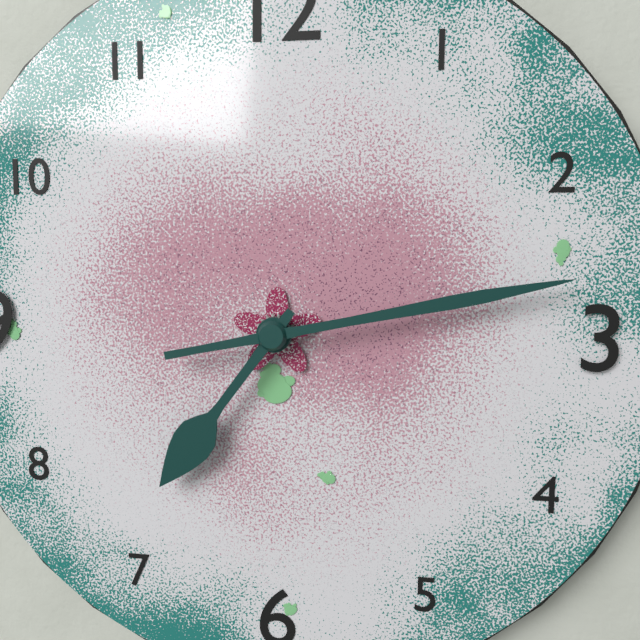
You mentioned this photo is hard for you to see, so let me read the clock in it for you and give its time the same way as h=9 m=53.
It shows h=7 m=13
